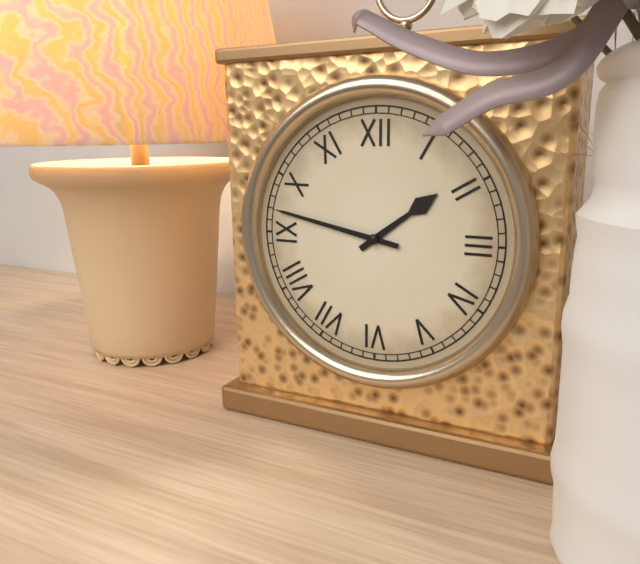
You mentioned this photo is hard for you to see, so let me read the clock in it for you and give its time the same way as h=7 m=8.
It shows h=1 m=47
